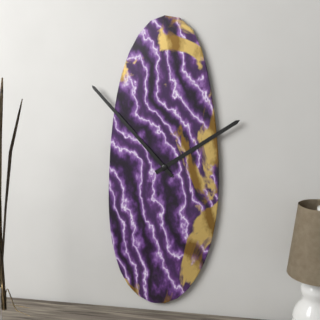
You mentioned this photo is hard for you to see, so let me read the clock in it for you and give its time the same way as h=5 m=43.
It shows h=1 m=53
